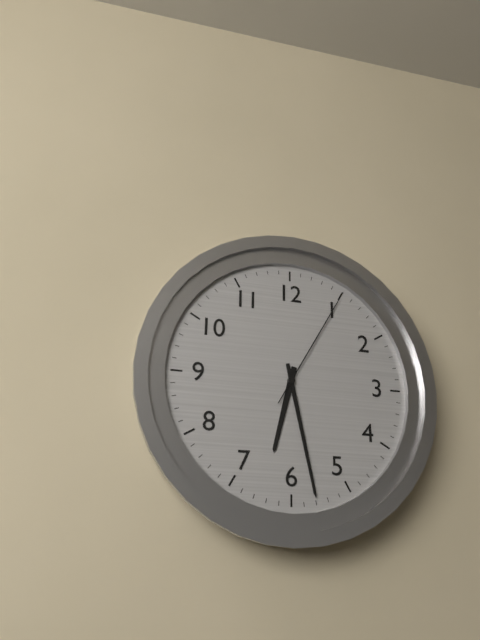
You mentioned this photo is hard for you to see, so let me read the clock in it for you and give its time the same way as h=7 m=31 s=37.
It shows h=6 m=28 s=5
